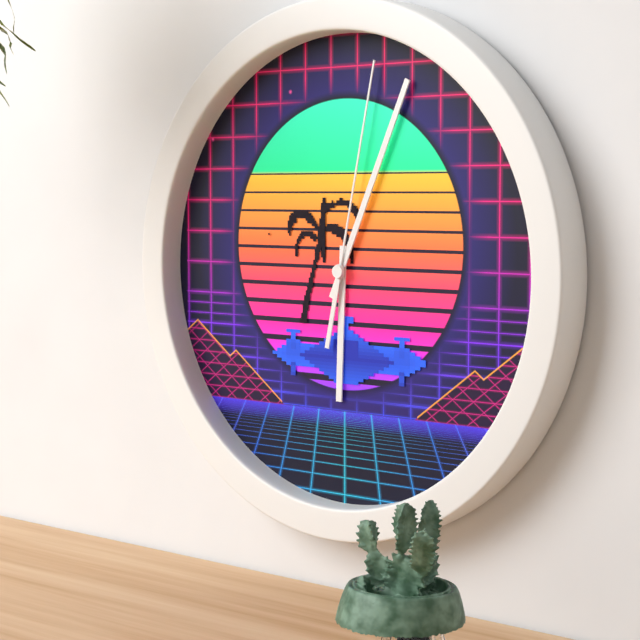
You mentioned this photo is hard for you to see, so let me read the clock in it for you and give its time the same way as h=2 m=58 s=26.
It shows h=6 m=4 s=2
